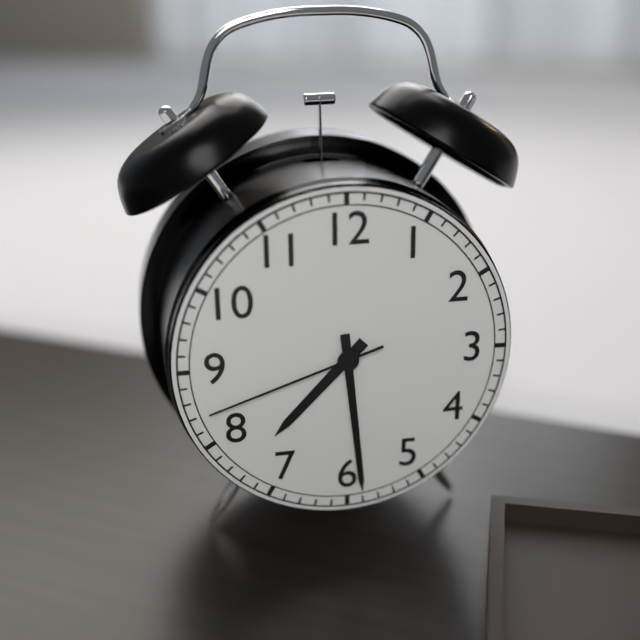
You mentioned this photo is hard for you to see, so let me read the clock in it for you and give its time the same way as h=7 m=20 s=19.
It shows h=7 m=29 s=42
